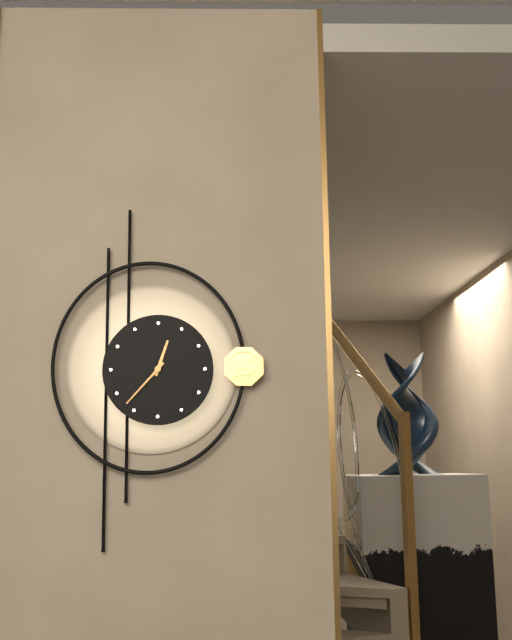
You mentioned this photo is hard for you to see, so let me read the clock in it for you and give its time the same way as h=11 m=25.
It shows h=12 m=37
